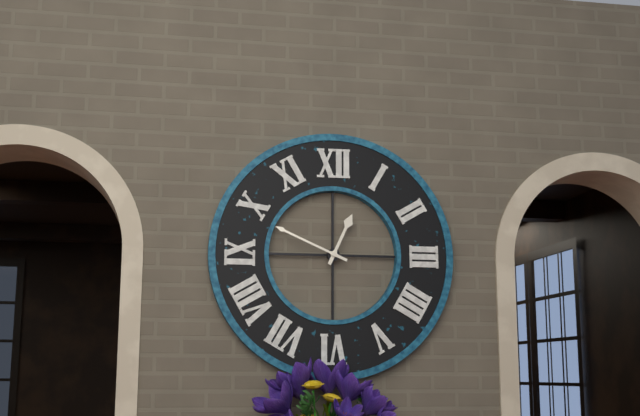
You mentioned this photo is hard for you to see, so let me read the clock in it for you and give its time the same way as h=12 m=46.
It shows h=12 m=49
